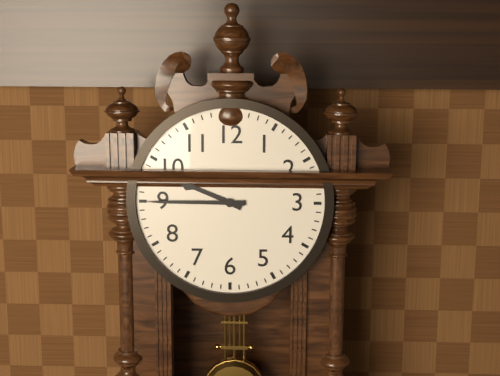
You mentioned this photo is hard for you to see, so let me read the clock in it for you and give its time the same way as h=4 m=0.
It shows h=9 m=45
